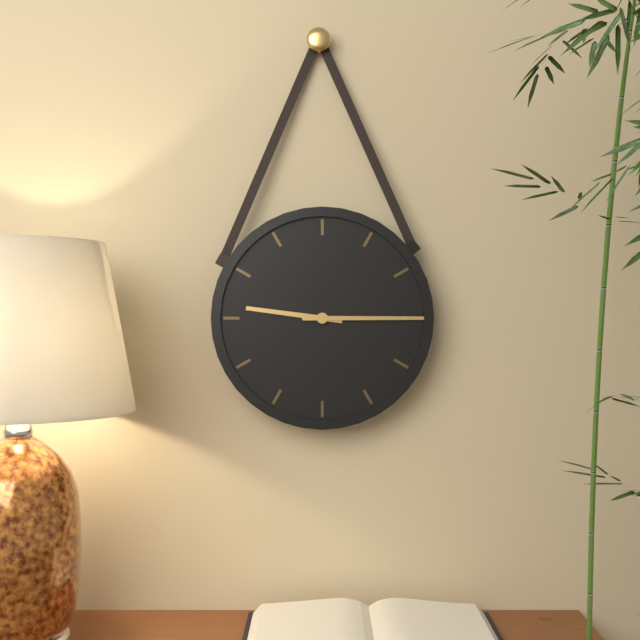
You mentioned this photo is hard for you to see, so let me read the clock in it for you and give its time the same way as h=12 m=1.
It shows h=9 m=15
